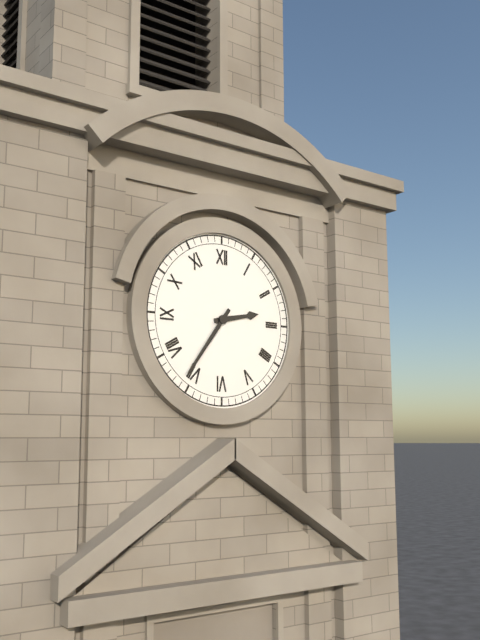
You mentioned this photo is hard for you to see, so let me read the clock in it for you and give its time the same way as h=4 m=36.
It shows h=2 m=36
